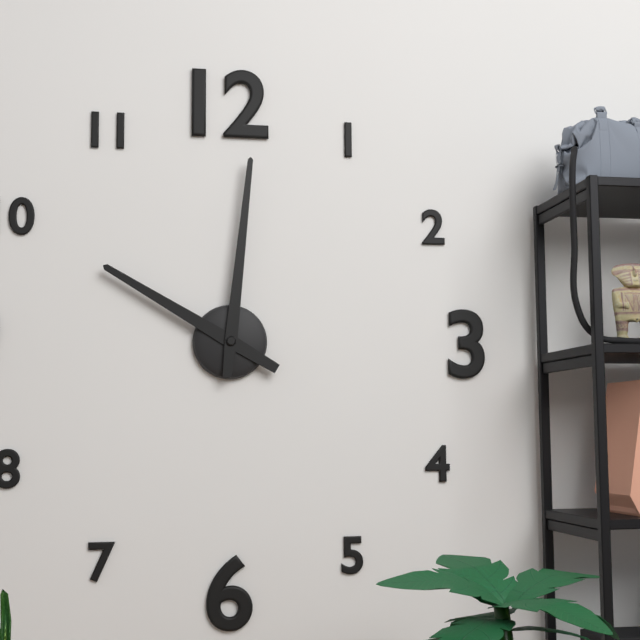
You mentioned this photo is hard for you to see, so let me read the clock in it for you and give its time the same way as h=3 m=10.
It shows h=10 m=1
